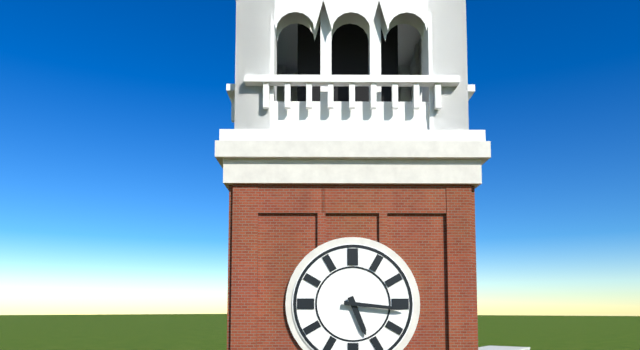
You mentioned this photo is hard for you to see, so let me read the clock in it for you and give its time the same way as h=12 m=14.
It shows h=5 m=16
